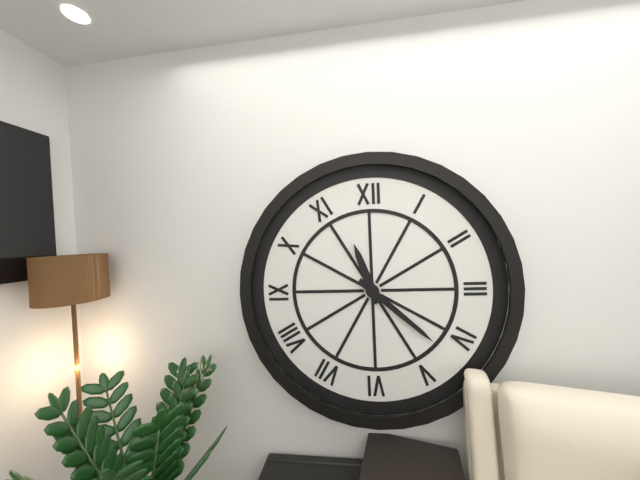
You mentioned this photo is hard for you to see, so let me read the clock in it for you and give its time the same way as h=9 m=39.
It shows h=11 m=22
